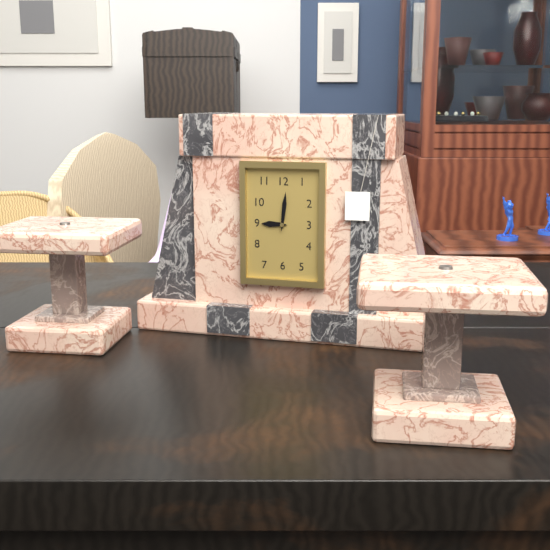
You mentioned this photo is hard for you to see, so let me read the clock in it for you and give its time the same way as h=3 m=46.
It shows h=9 m=1
